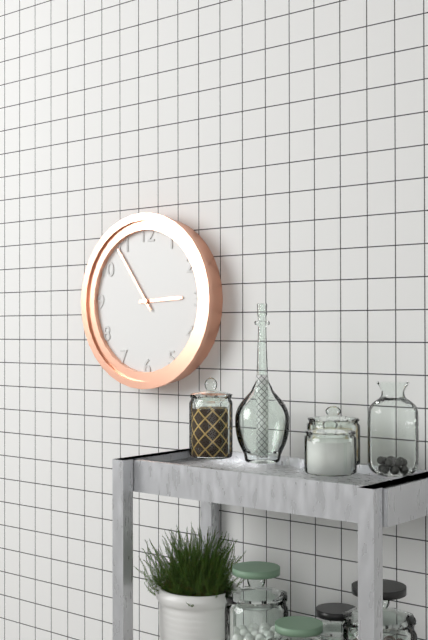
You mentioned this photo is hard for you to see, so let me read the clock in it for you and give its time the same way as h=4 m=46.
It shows h=2 m=54
